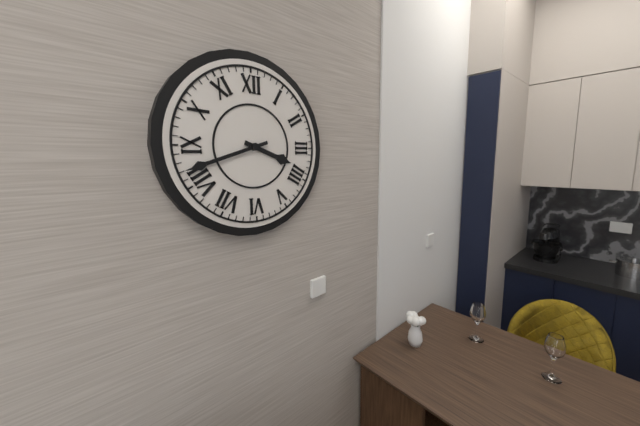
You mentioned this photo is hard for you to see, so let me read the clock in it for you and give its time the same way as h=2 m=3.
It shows h=3 m=42
